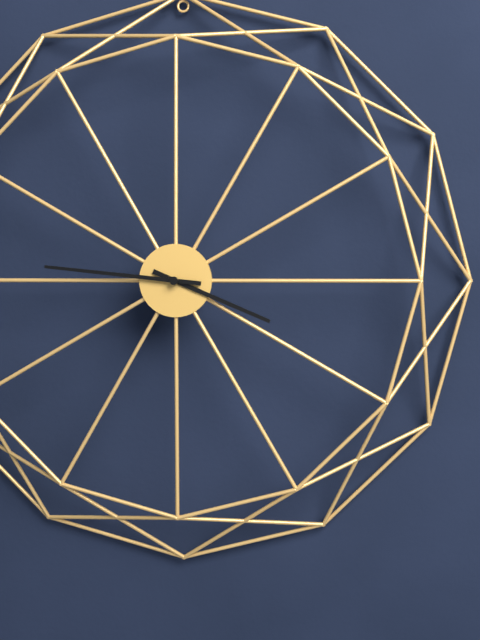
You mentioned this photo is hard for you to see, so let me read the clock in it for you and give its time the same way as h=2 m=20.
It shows h=3 m=46
